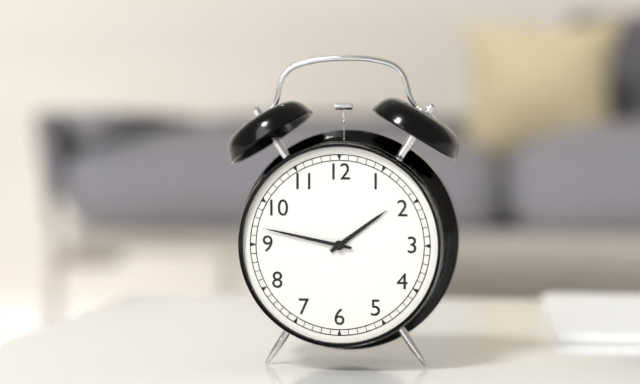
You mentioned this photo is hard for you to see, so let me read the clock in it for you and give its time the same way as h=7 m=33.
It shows h=1 m=47
